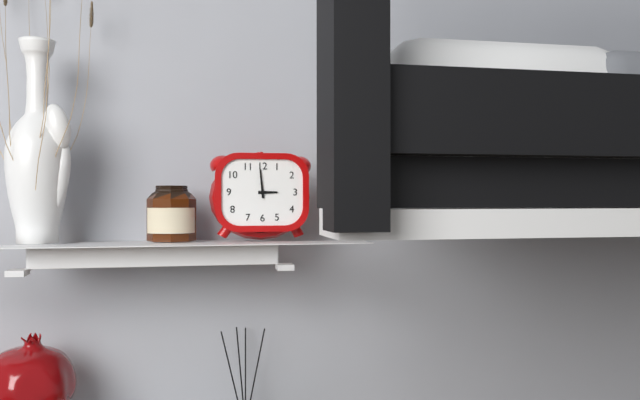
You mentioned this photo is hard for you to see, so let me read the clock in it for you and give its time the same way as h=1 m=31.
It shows h=2 m=59
